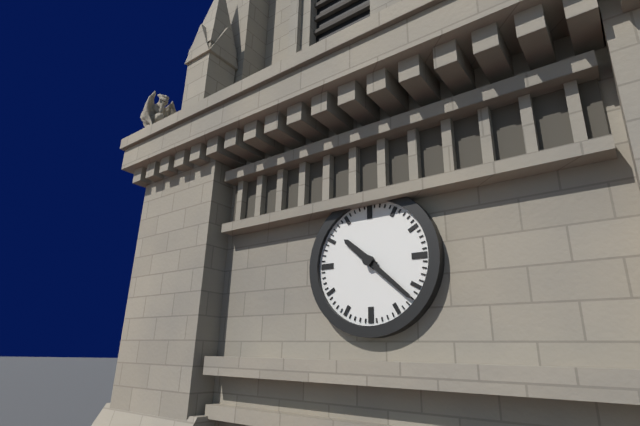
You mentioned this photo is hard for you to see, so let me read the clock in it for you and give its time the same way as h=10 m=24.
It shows h=10 m=22
